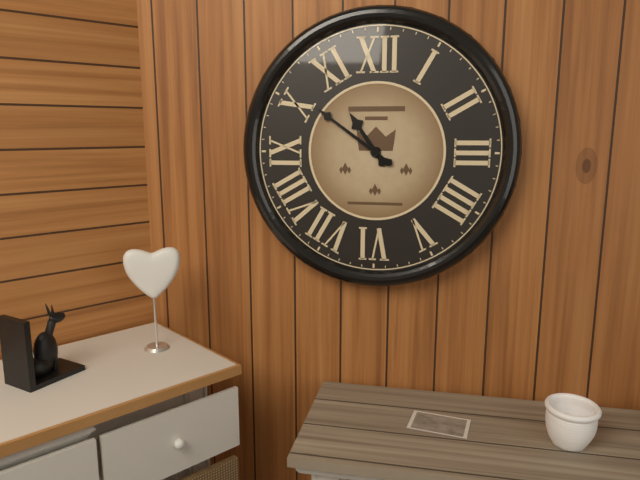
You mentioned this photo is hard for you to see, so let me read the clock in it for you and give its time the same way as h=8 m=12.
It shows h=10 m=51
